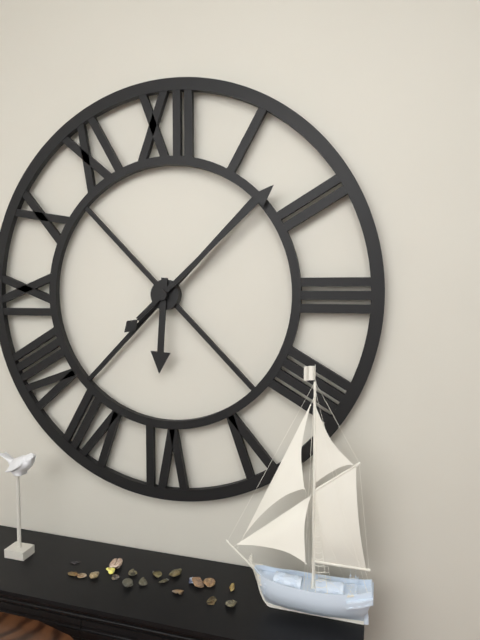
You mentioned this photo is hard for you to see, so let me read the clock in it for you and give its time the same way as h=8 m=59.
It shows h=6 m=8
